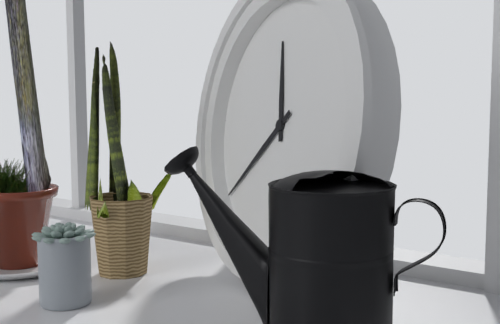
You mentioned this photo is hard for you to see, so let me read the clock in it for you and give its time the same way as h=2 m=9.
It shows h=11 m=38
